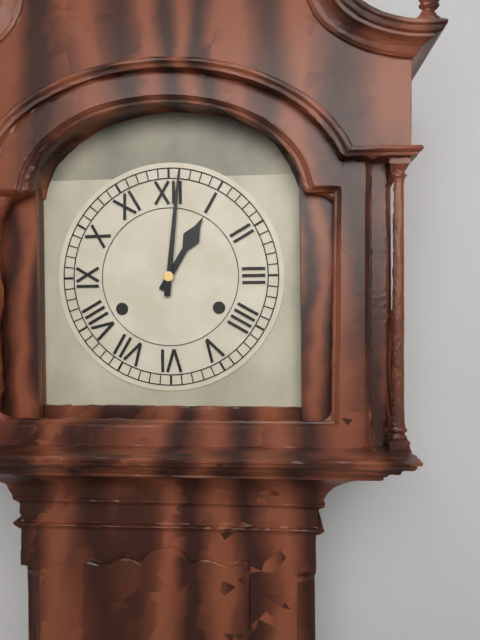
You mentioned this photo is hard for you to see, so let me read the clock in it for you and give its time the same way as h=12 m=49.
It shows h=1 m=1
